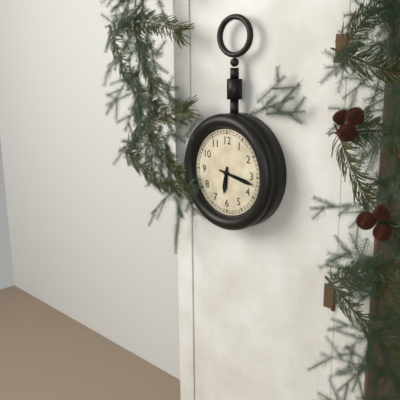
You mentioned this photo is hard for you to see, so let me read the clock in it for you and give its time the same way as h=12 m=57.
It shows h=6 m=17
